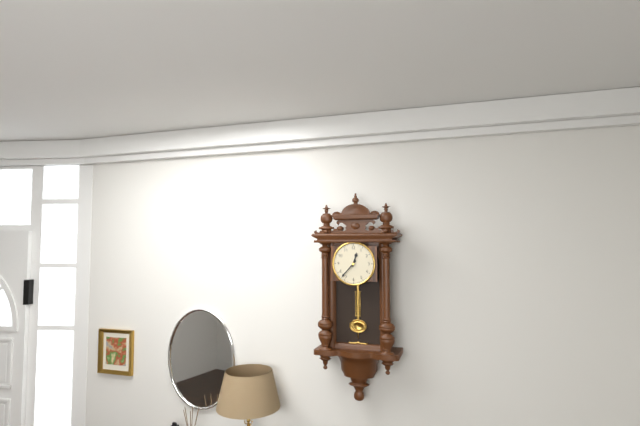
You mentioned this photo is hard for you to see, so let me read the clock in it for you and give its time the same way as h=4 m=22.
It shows h=12 m=37
